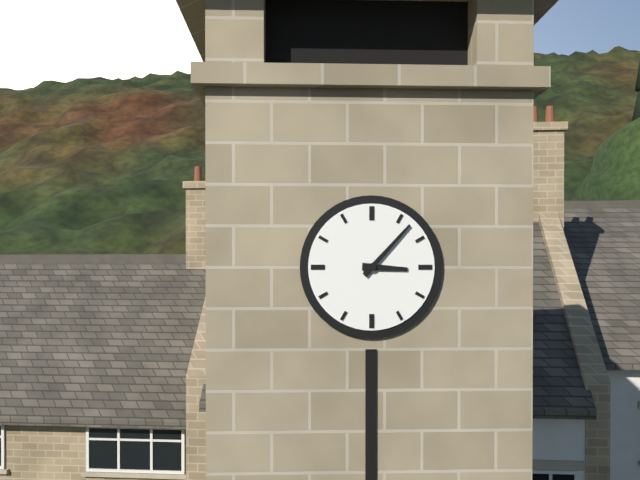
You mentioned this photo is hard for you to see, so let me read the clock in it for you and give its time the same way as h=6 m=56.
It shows h=3 m=7
